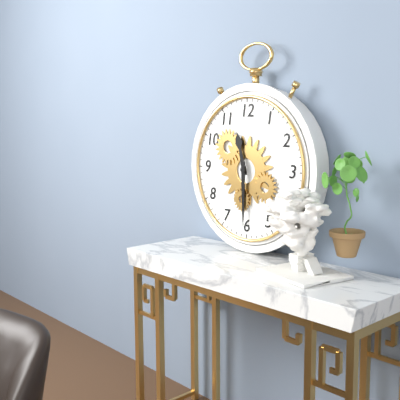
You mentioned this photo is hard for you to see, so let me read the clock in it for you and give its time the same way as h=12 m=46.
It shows h=11 m=30
